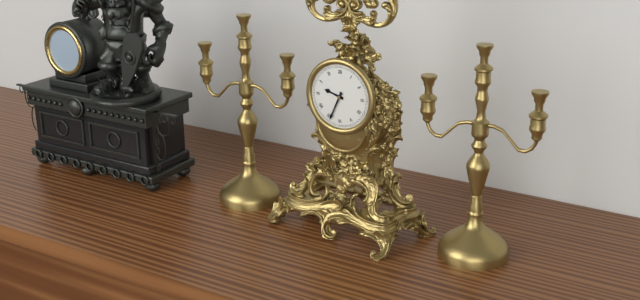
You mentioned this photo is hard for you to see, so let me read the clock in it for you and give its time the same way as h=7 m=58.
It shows h=9 m=34
